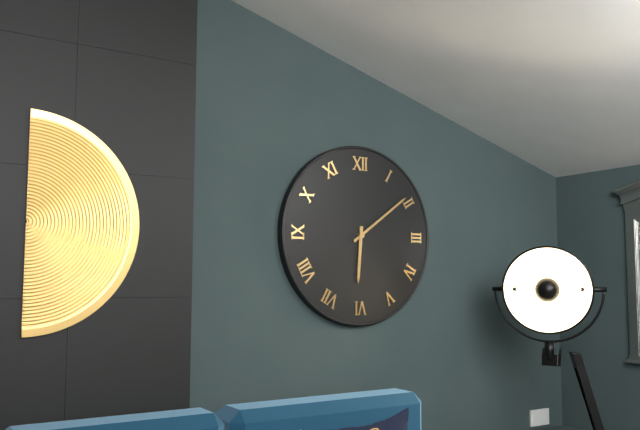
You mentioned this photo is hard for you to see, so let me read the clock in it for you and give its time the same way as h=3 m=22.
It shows h=6 m=9
